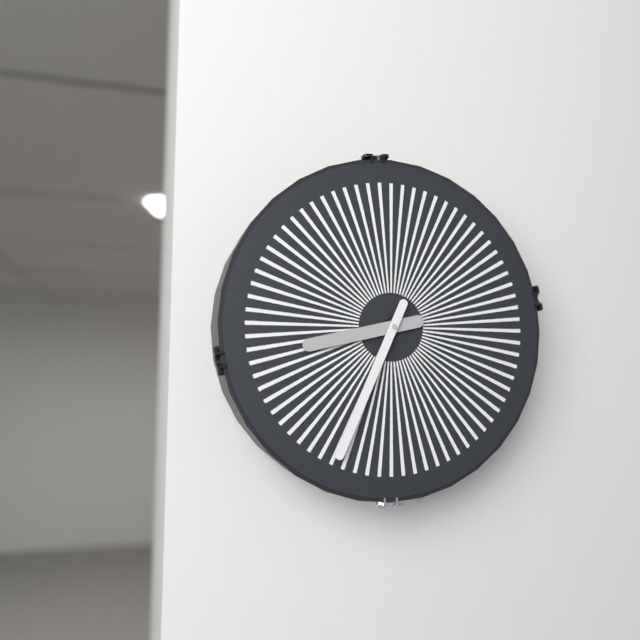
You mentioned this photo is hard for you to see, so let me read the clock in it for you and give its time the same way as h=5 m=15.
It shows h=8 m=34
